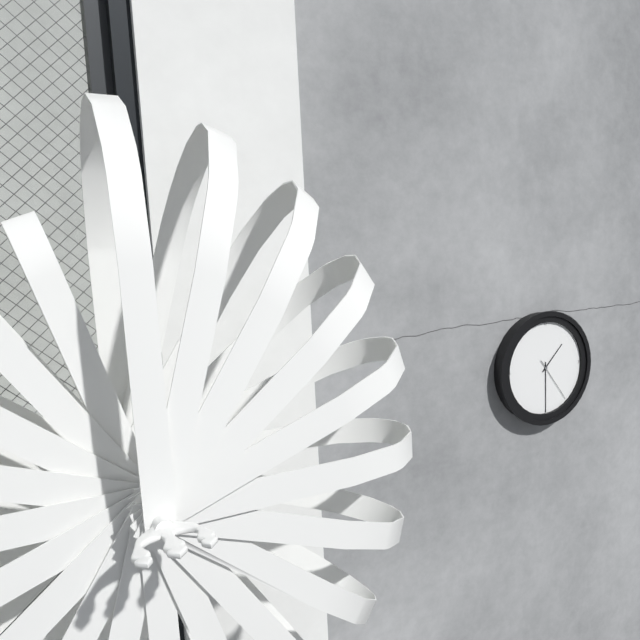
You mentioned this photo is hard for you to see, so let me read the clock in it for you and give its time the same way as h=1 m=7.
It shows h=1 m=30
